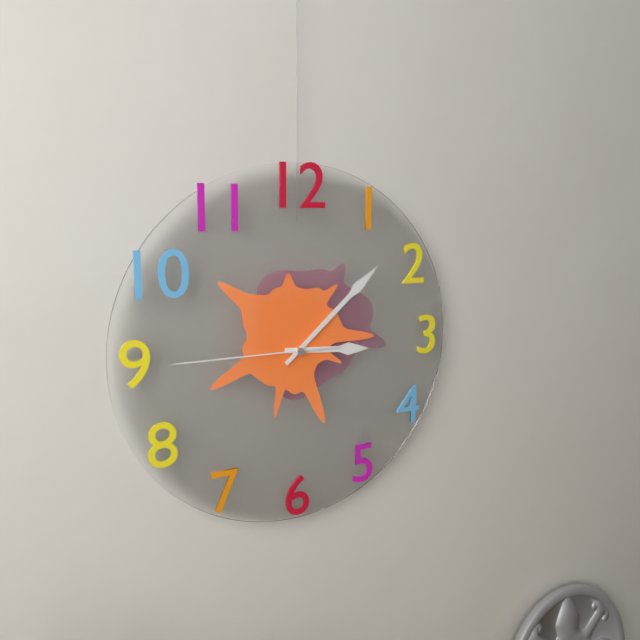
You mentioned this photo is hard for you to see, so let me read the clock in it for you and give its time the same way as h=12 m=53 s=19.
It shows h=3 m=8 s=45
